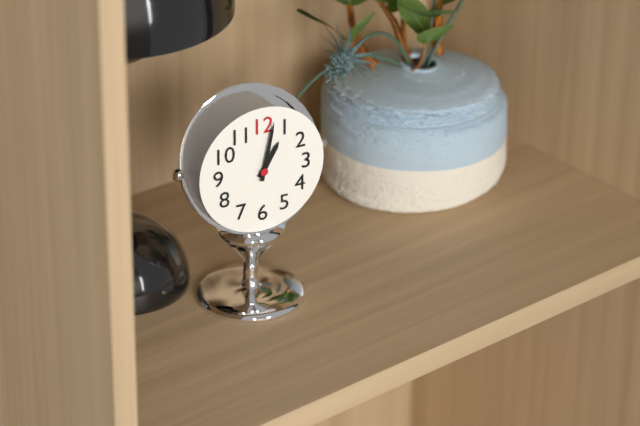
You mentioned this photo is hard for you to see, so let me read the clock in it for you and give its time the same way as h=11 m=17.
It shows h=1 m=2
